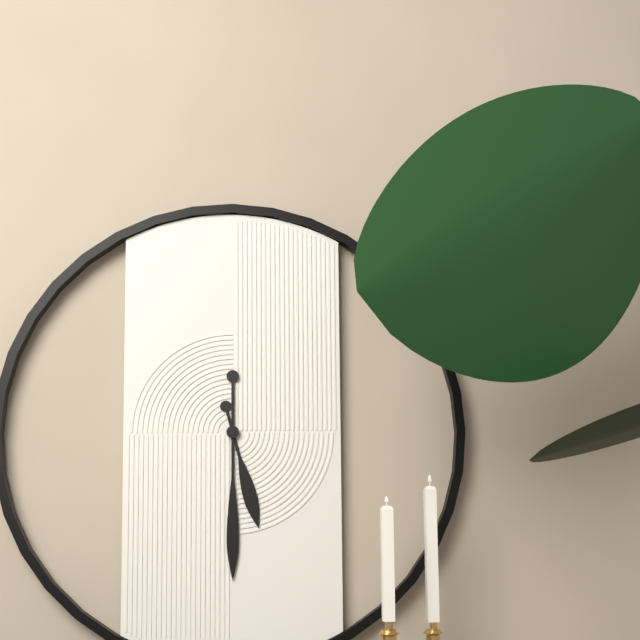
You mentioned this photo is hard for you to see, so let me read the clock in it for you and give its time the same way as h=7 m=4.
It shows h=5 m=30
